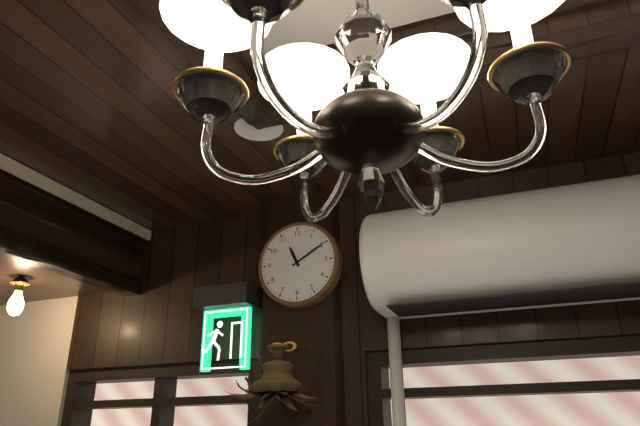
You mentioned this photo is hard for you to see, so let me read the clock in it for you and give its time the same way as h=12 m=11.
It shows h=11 m=10
